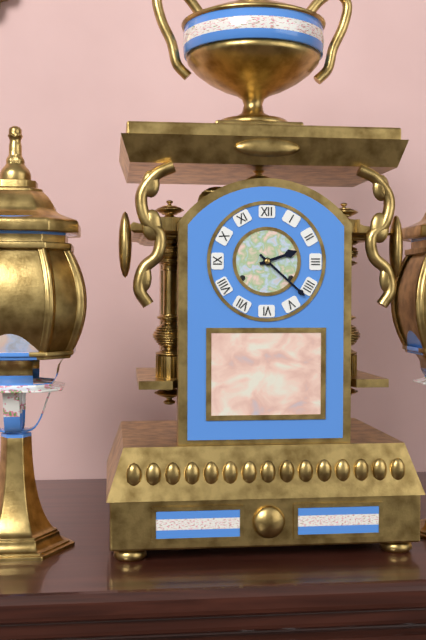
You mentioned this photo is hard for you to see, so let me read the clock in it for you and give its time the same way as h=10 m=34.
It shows h=2 m=22
